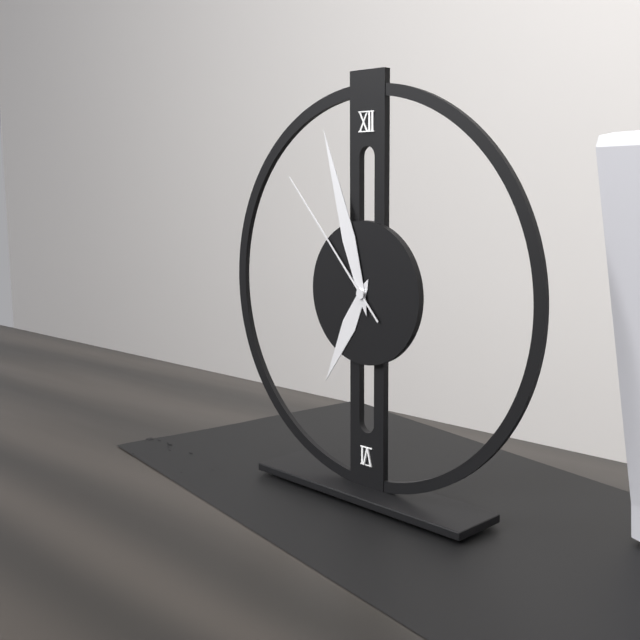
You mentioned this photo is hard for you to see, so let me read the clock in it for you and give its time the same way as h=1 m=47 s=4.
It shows h=6 m=57 s=53
